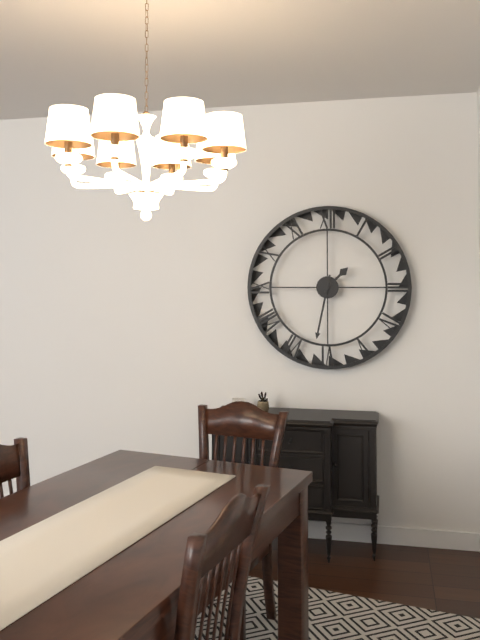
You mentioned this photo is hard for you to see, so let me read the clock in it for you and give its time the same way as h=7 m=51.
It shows h=1 m=32
